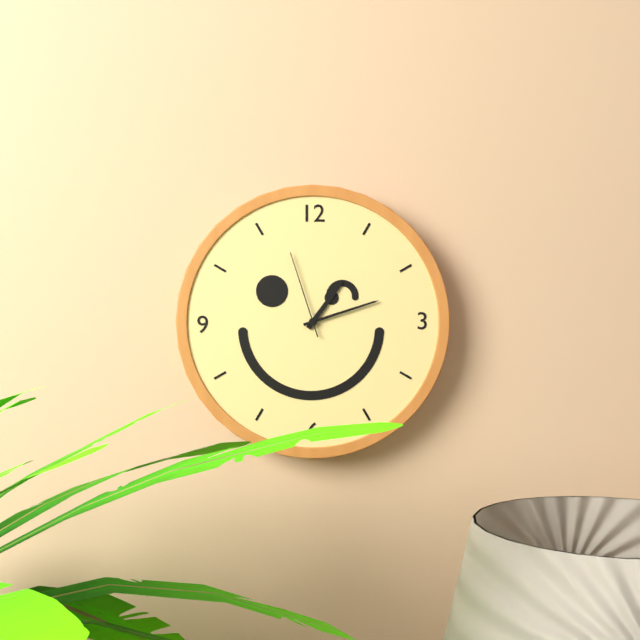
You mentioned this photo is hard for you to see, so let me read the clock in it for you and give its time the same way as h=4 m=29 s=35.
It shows h=1 m=12 s=57
